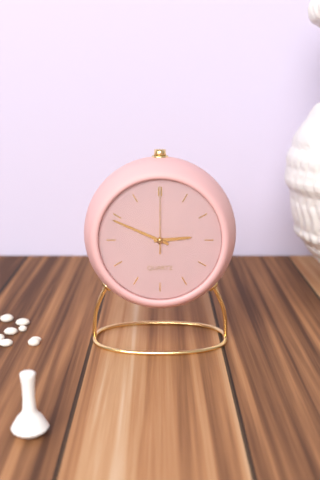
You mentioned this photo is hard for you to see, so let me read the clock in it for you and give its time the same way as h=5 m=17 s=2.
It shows h=2 m=49 s=0
